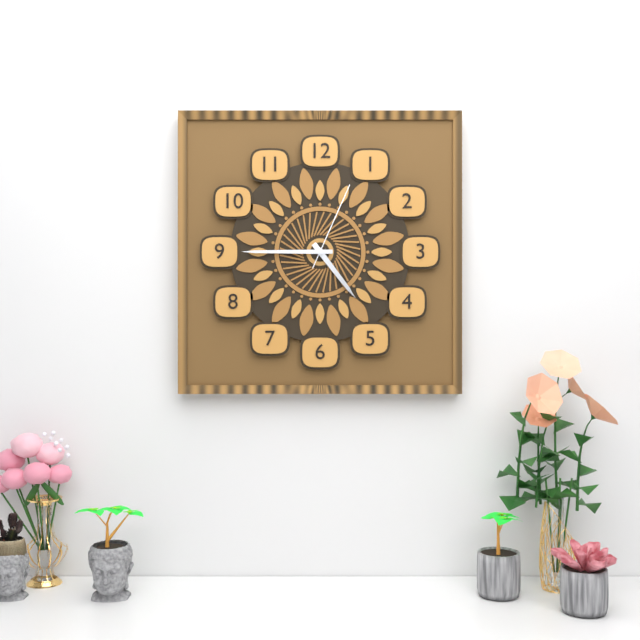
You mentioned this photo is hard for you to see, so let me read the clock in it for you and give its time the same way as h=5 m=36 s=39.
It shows h=4 m=45 s=4
